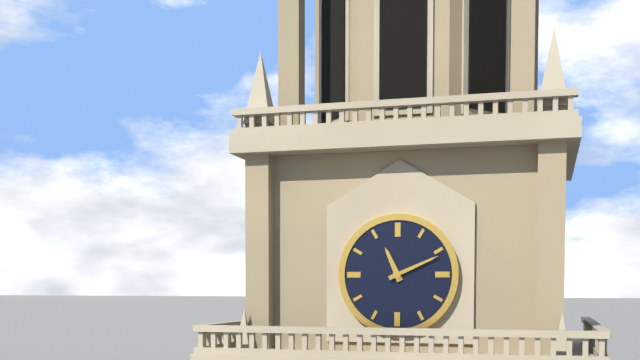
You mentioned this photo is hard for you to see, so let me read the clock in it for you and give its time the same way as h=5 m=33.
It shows h=11 m=11
